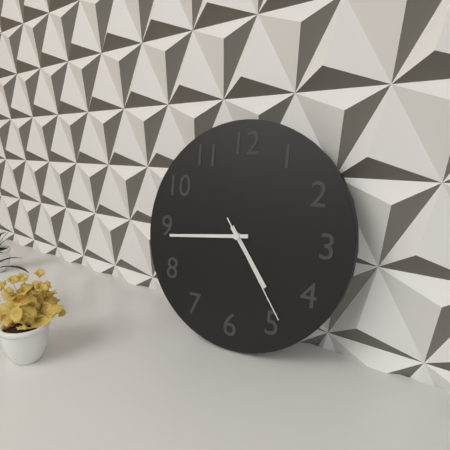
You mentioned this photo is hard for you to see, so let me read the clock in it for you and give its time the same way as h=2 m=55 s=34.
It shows h=4 m=44 s=24
